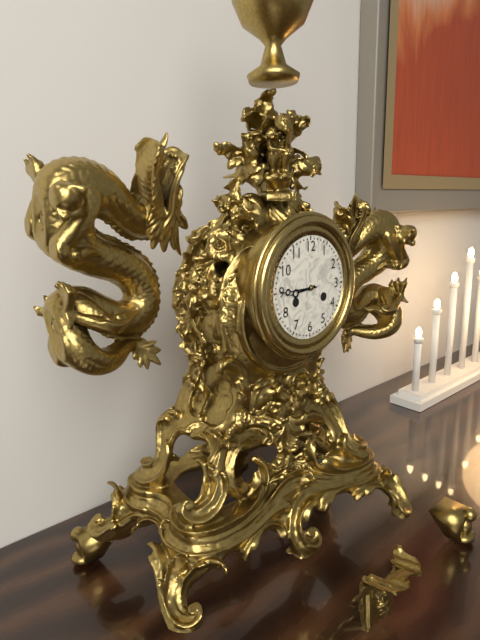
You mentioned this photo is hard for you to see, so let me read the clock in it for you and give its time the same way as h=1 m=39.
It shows h=8 m=45
